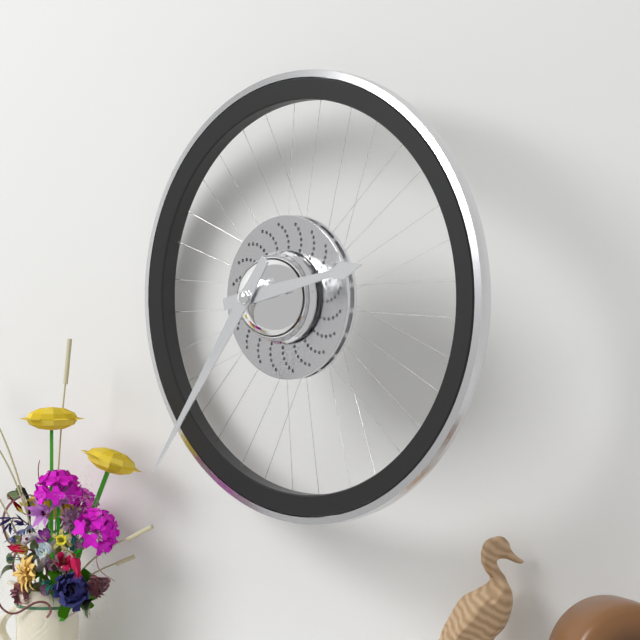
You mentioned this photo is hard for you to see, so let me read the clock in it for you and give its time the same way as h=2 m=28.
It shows h=2 m=36
